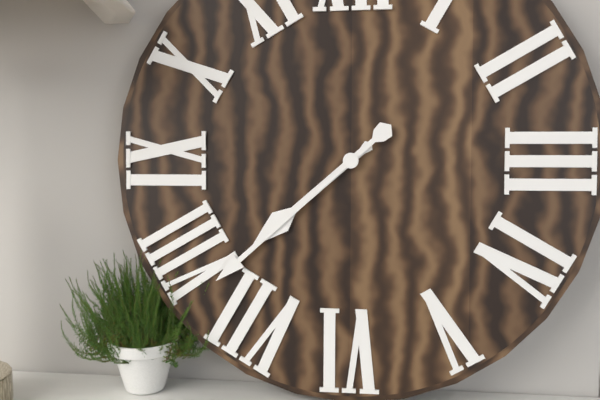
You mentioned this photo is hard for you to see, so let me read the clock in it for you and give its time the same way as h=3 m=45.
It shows h=7 m=38
